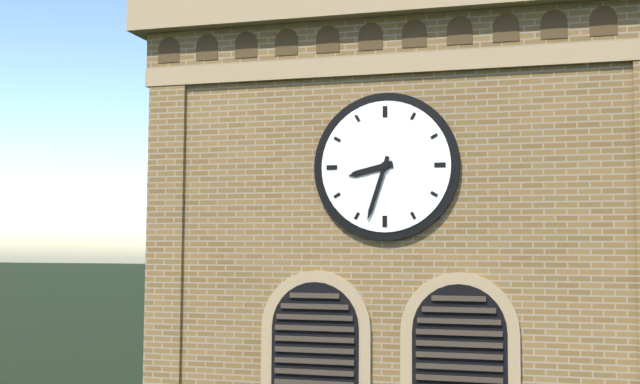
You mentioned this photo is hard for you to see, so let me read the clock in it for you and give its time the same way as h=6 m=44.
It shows h=8 m=33
